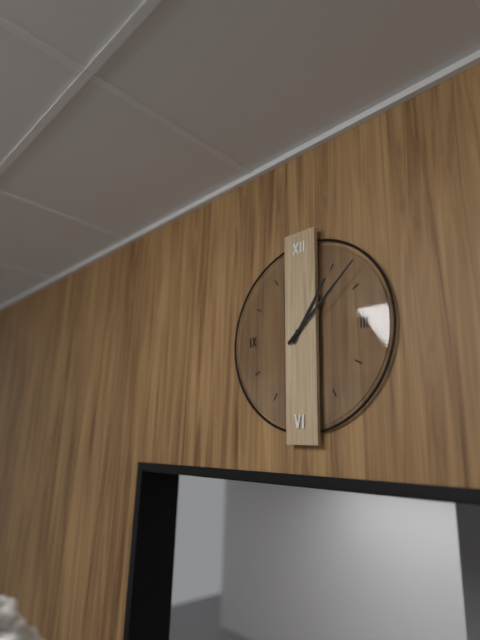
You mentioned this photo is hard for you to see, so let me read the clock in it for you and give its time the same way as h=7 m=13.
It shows h=1 m=8
